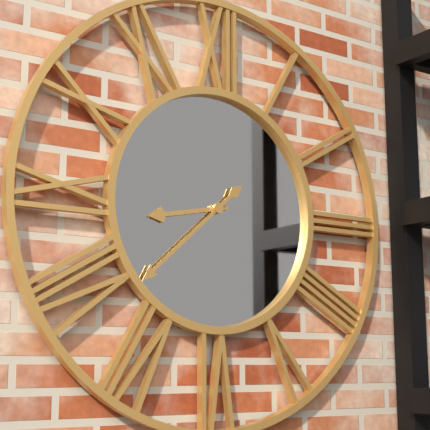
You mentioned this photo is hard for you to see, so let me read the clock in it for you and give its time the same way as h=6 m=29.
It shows h=8 m=38
